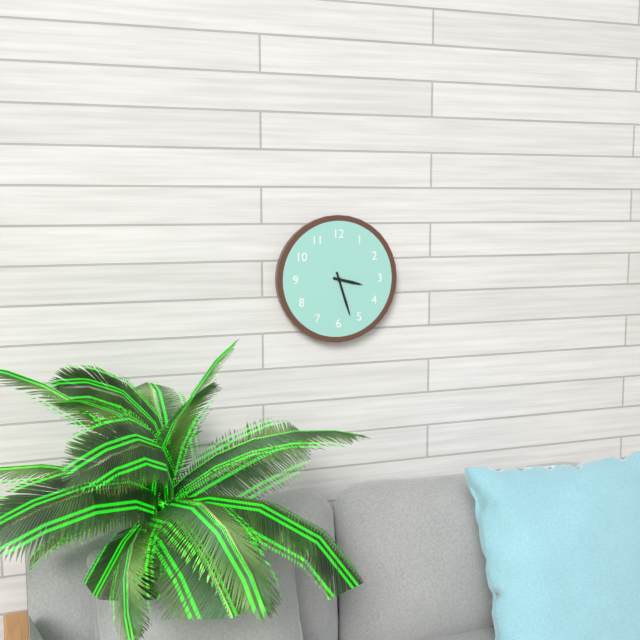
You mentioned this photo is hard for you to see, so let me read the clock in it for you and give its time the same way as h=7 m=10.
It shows h=3 m=27
